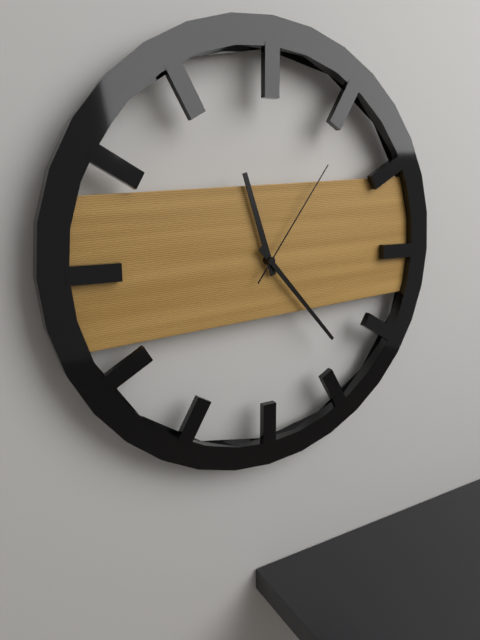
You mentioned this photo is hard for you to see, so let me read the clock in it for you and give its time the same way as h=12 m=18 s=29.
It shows h=11 m=23 s=6
